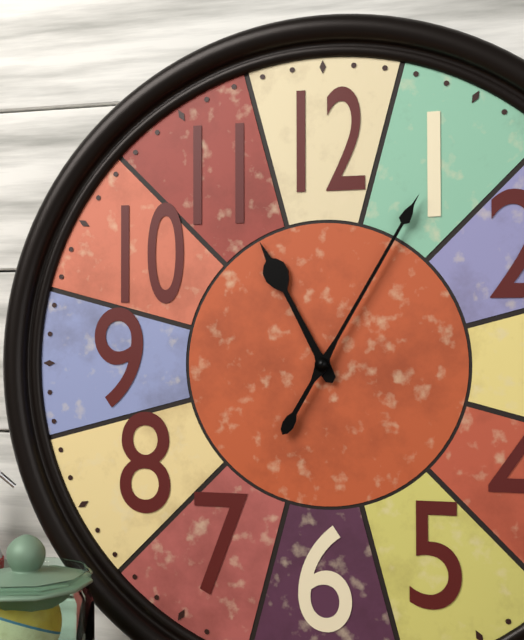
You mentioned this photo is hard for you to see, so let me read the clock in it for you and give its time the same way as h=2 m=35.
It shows h=11 m=5
